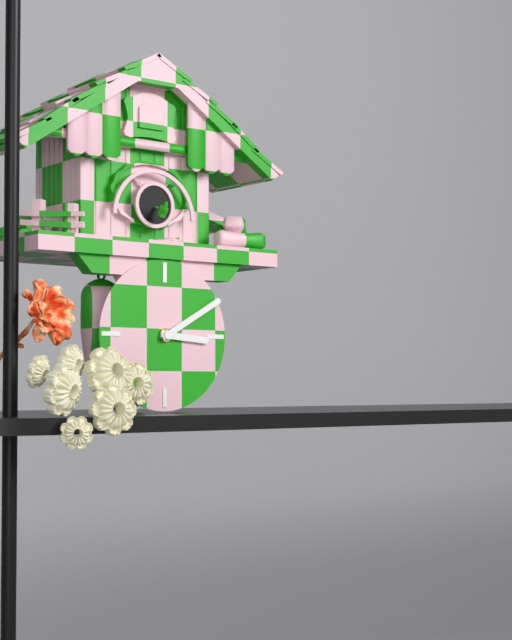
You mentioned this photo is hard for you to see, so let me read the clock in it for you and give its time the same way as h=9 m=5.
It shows h=3 m=10
